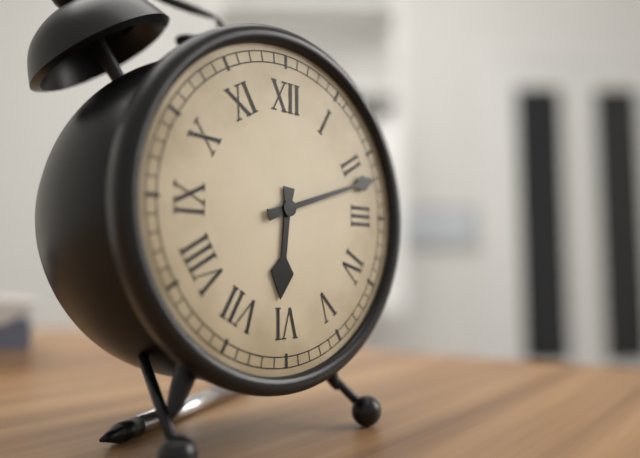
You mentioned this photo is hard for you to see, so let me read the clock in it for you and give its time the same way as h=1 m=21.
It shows h=6 m=12
